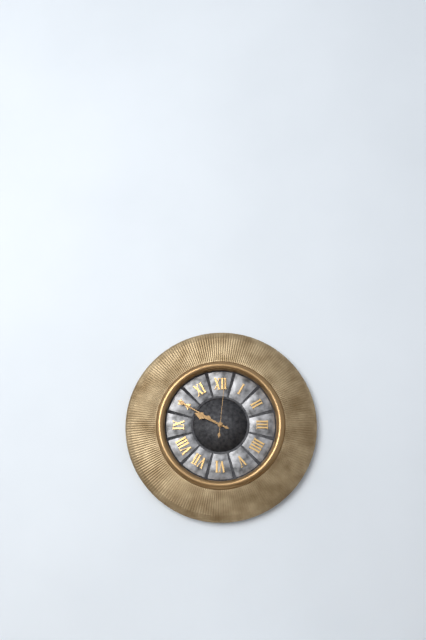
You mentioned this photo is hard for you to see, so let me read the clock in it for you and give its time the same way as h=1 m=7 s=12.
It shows h=9 m=50 s=1
